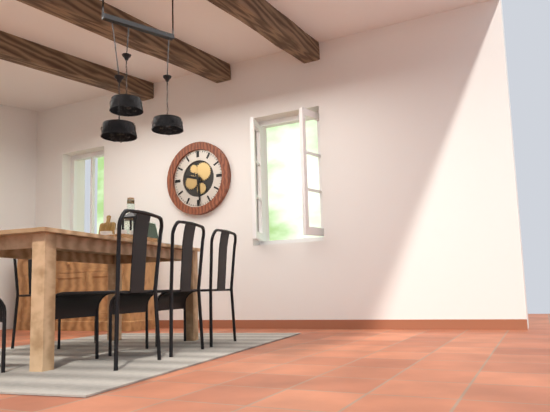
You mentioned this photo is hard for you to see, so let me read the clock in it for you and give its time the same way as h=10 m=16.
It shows h=9 m=29
